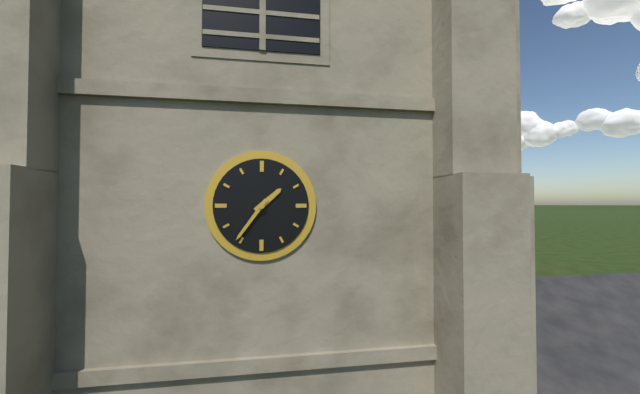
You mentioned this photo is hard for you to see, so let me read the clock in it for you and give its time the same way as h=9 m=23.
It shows h=1 m=36
